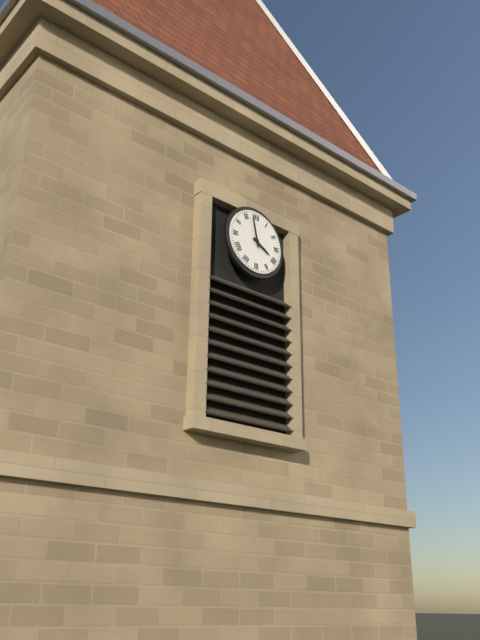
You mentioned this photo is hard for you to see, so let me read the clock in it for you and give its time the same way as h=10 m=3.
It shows h=3 m=58
